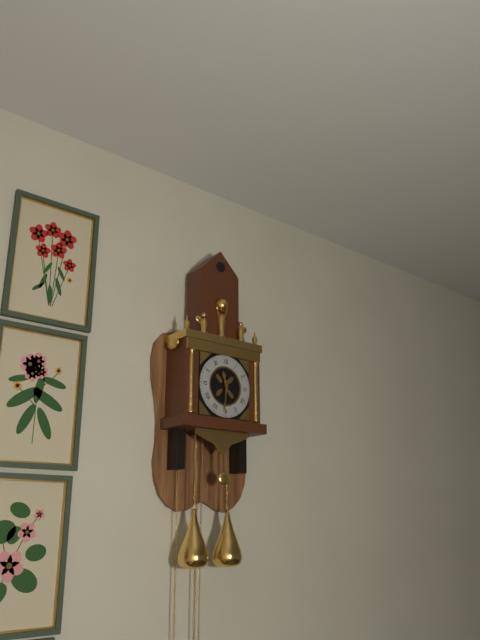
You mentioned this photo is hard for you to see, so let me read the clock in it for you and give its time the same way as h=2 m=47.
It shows h=11 m=31
